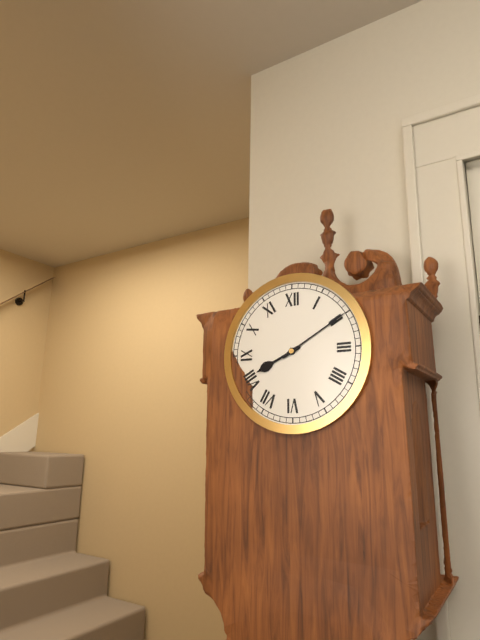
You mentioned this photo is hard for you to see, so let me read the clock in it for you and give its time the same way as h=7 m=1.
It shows h=8 m=10
